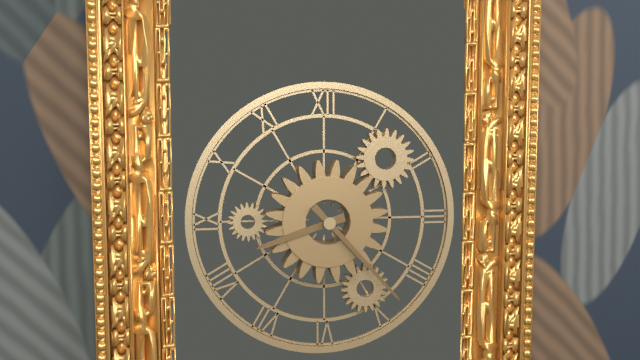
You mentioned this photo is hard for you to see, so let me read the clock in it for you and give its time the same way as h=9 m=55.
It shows h=8 m=23
